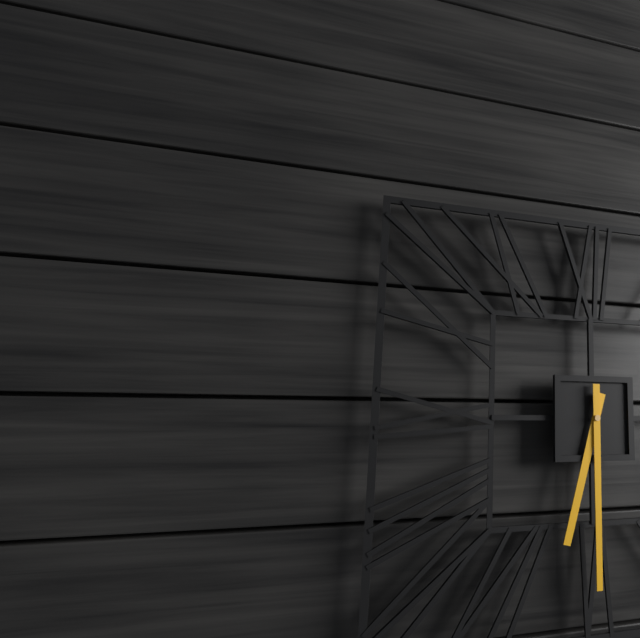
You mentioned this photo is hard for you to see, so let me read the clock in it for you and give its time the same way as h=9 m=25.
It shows h=6 m=30
